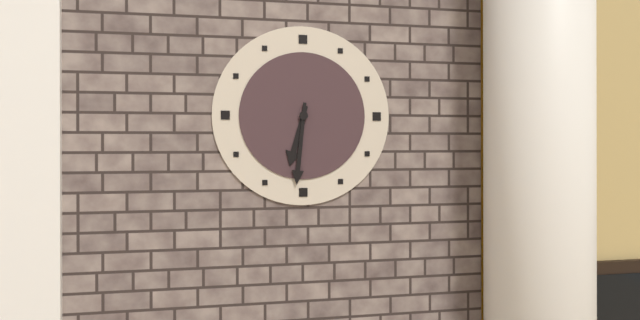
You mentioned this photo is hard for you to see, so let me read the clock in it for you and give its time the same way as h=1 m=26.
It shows h=6 m=31
